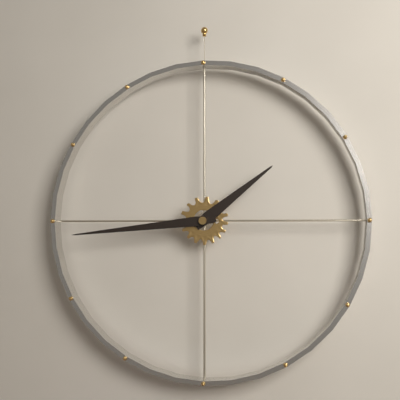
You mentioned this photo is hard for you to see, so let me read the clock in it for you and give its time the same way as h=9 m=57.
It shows h=1 m=44
